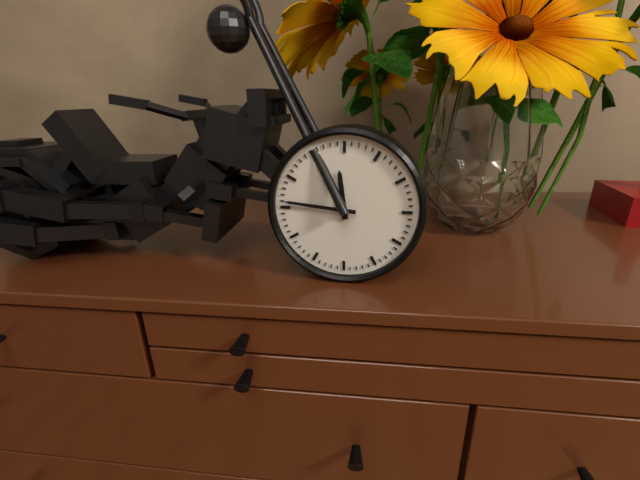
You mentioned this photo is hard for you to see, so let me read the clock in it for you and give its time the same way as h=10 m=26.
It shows h=11 m=46
